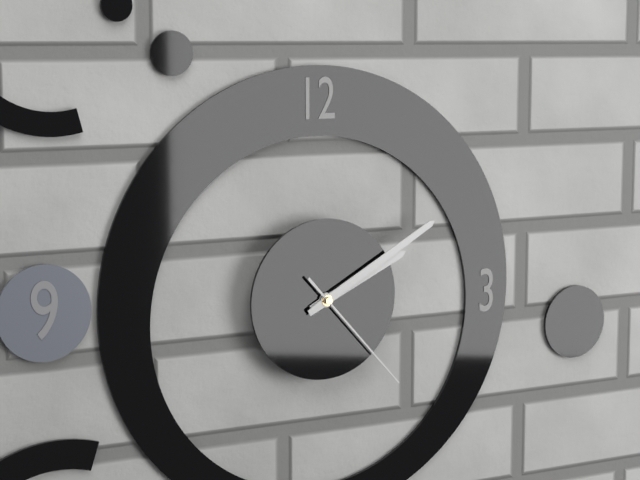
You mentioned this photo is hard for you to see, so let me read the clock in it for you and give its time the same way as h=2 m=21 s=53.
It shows h=2 m=10 s=23
